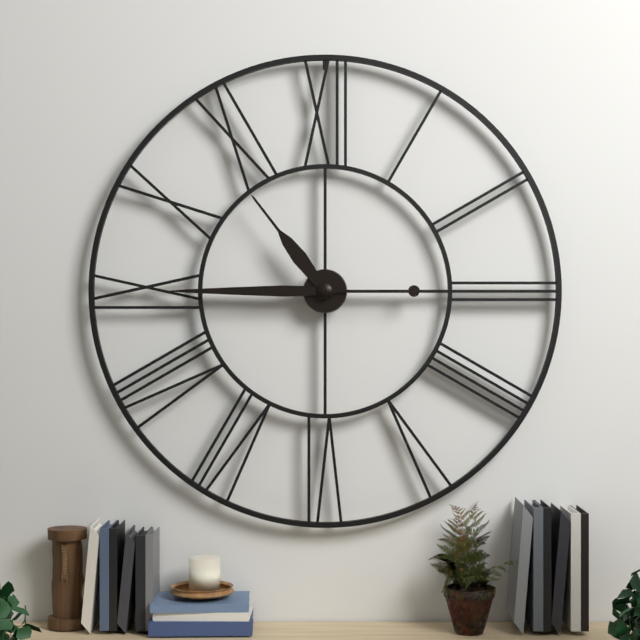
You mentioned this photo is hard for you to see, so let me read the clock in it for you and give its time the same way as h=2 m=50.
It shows h=10 m=45
